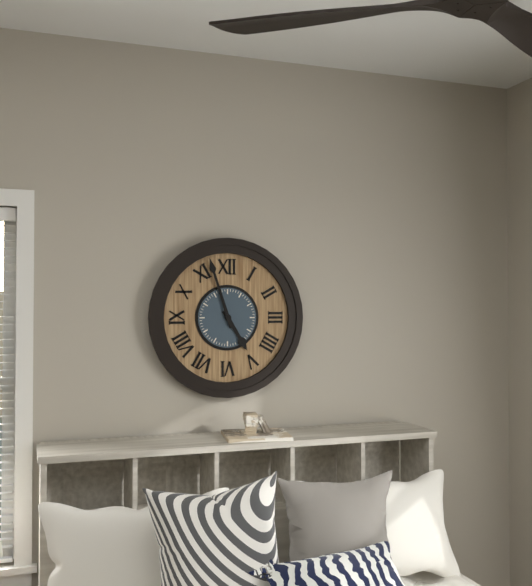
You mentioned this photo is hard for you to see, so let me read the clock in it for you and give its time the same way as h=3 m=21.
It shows h=4 m=57
